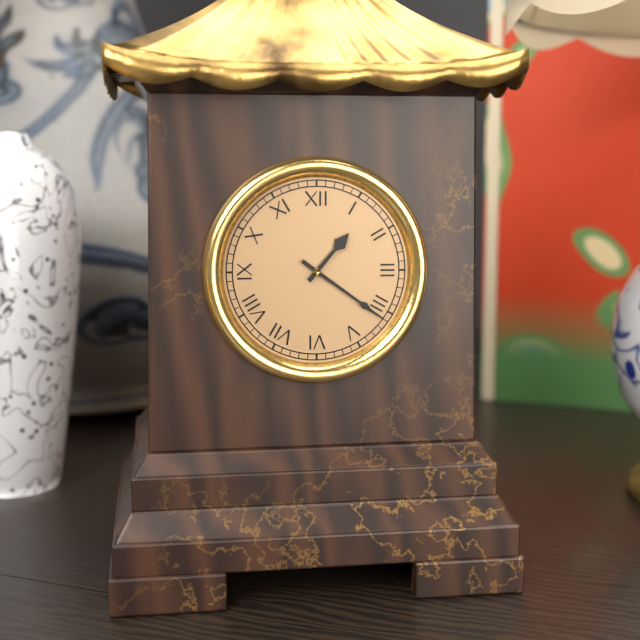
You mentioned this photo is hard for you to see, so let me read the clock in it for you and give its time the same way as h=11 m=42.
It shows h=1 m=21
